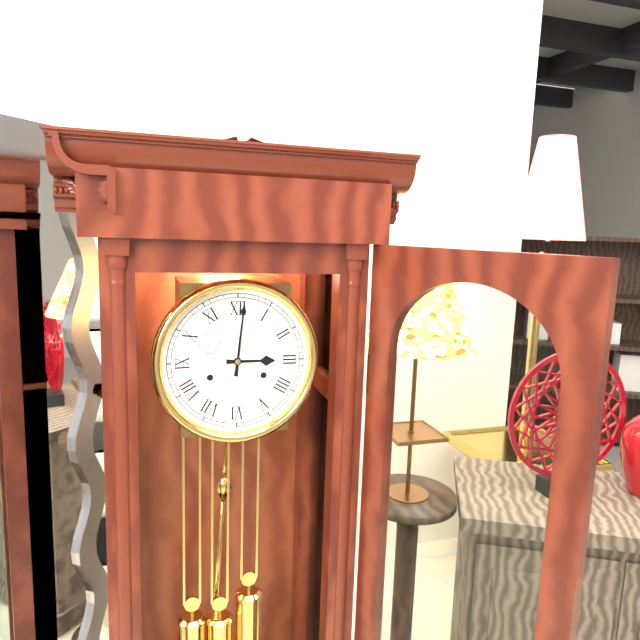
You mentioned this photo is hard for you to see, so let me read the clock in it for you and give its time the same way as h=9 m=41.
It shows h=3 m=1
